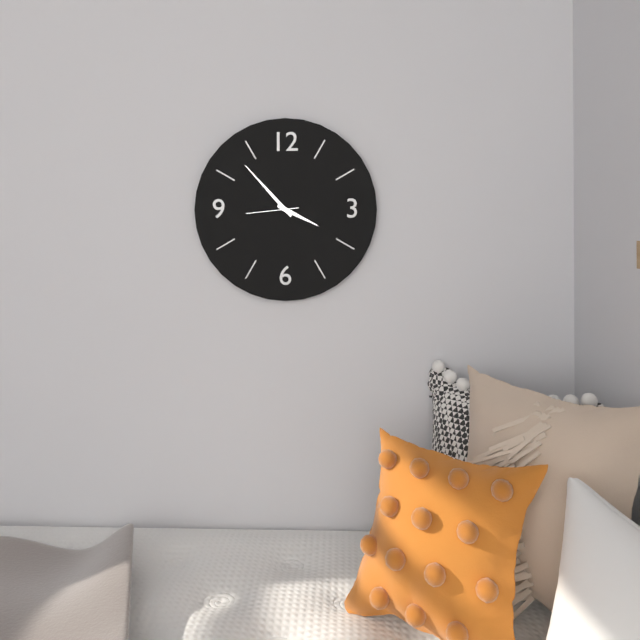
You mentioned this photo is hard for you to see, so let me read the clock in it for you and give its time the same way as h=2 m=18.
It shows h=3 m=53
